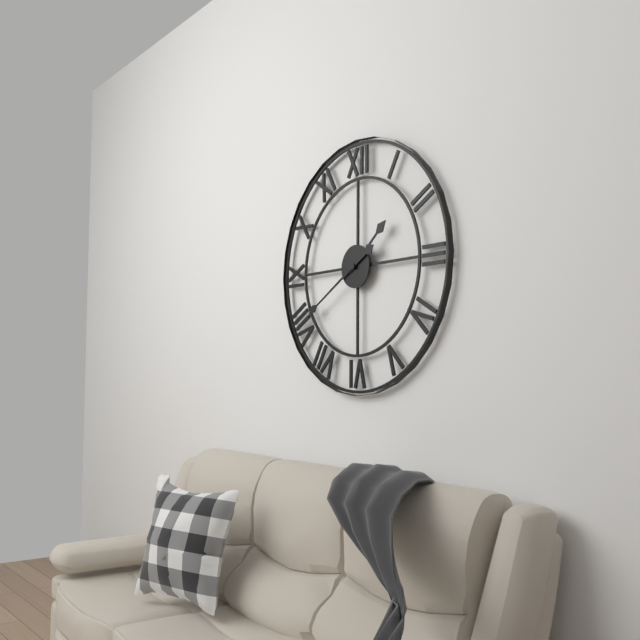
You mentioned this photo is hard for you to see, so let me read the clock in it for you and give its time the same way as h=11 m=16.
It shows h=1 m=40
